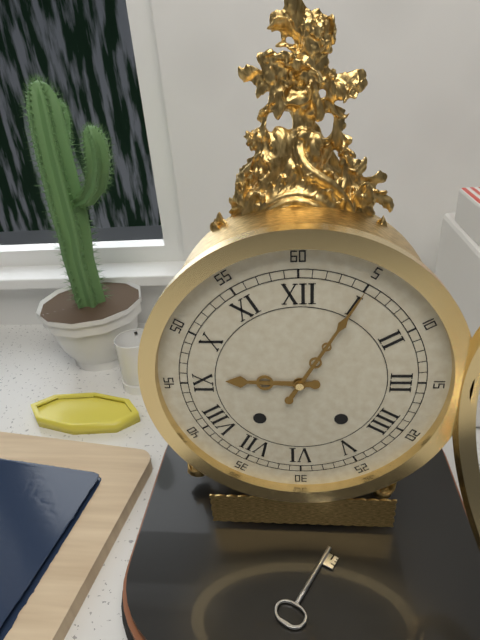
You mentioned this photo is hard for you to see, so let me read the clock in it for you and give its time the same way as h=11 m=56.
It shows h=9 m=5
